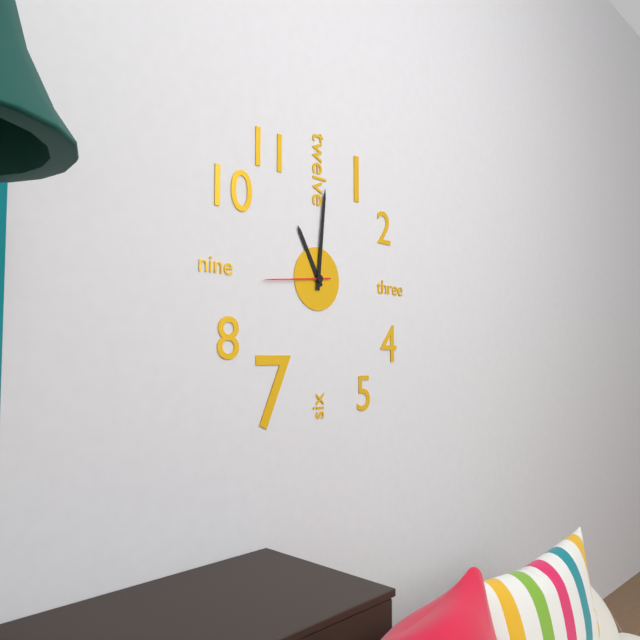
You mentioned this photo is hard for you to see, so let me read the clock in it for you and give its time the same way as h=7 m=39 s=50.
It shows h=11 m=1 s=44
